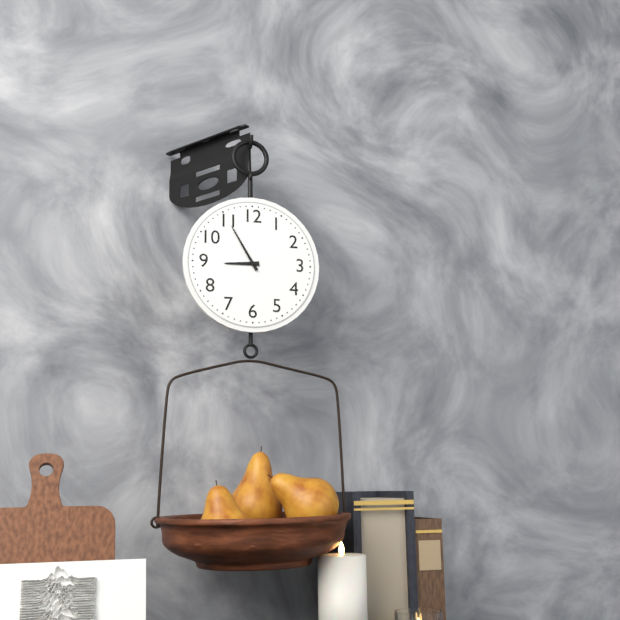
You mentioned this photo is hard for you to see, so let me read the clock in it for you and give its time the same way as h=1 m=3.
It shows h=8 m=55
